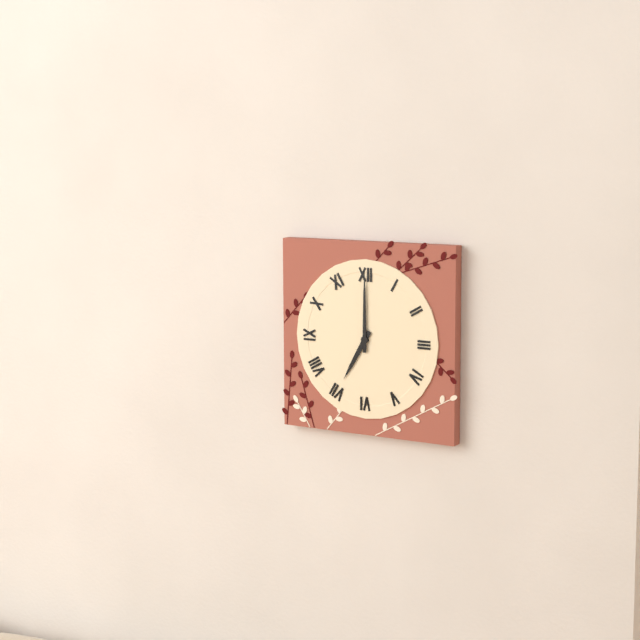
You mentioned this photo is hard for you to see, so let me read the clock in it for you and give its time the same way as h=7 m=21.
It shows h=7 m=0
